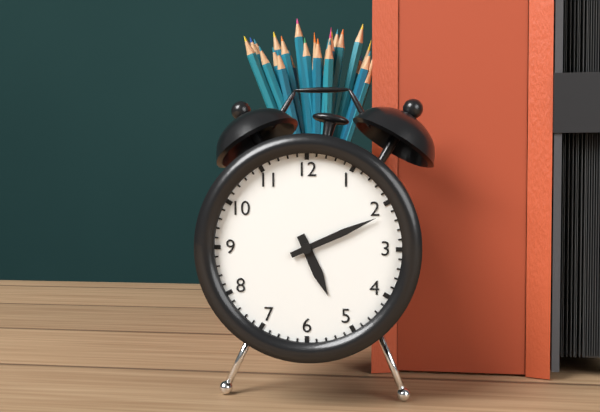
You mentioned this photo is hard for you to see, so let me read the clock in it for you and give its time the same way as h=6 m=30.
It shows h=5 m=11
